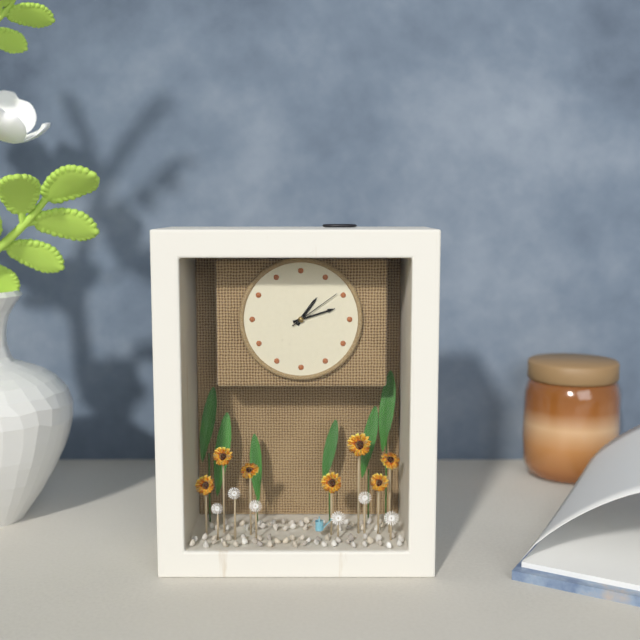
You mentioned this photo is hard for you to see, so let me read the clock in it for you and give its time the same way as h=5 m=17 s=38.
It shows h=1 m=12 s=9
